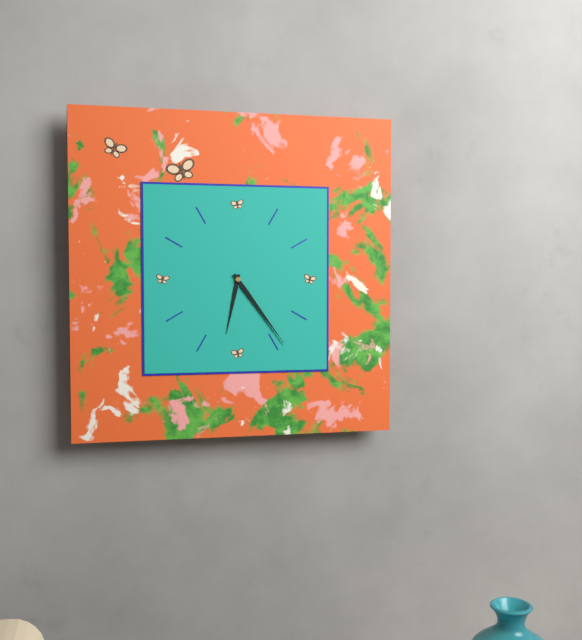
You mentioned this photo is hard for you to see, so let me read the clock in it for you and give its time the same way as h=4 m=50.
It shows h=6 m=24
